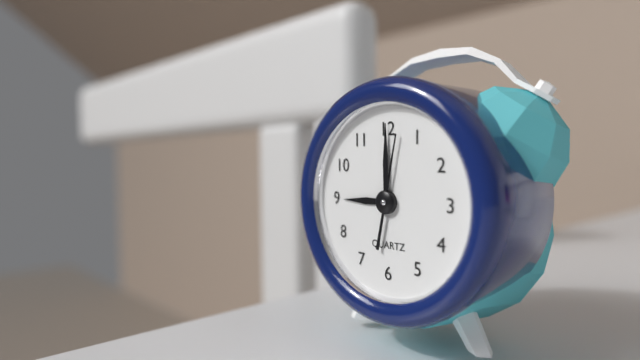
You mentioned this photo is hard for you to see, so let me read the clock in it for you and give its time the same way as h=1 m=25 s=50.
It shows h=9 m=0 s=2
